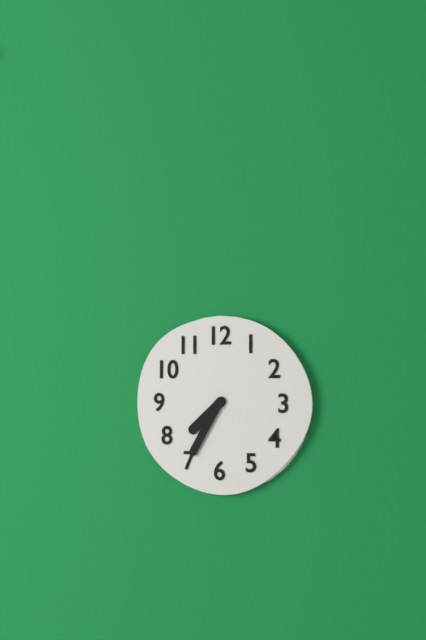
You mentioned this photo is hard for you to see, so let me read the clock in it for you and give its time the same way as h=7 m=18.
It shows h=7 m=35
